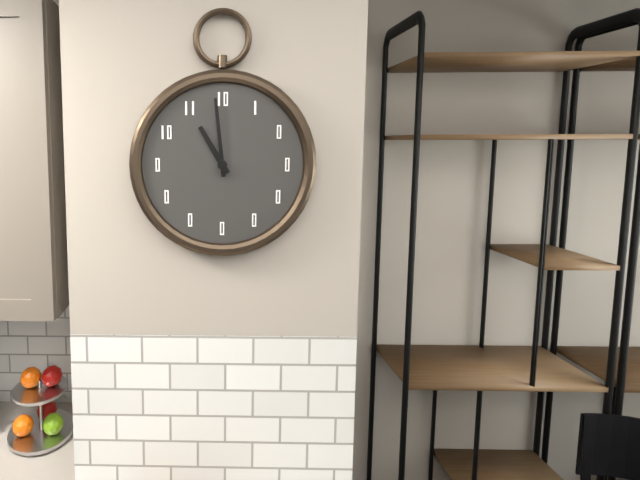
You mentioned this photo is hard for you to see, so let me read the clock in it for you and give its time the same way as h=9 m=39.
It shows h=10 m=59
